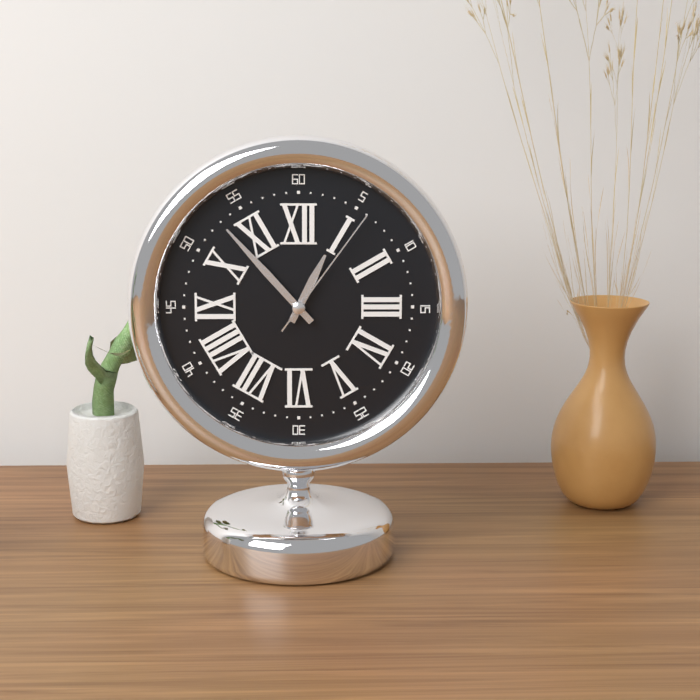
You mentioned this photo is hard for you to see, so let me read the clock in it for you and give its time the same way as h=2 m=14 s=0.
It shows h=12 m=53 s=6
